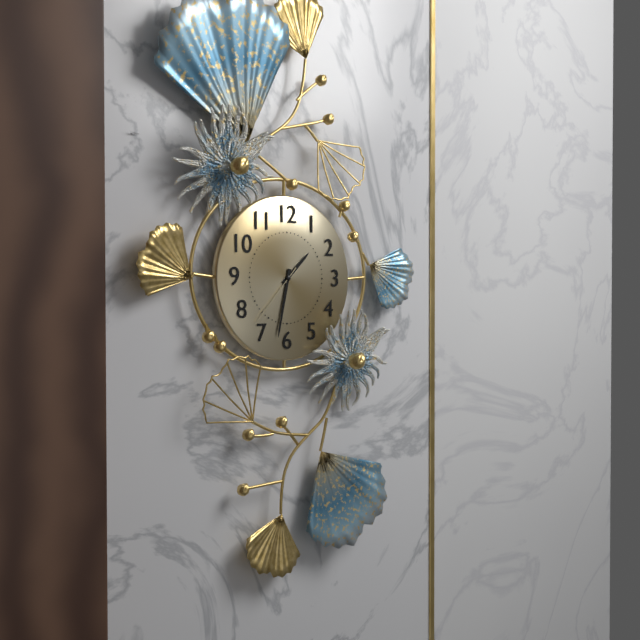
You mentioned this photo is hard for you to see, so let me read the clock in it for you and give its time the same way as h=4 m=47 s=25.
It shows h=1 m=32 s=37
